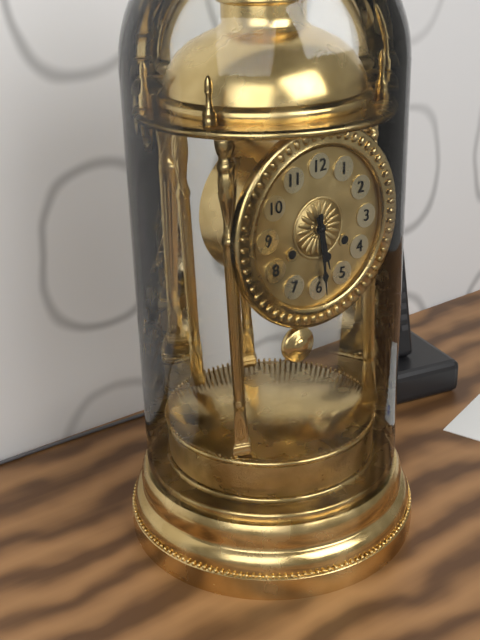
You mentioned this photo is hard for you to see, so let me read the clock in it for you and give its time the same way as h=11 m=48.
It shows h=5 m=29
